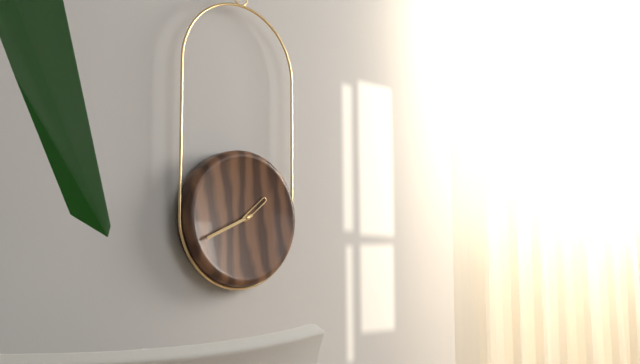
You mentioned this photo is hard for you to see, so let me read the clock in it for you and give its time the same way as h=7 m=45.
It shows h=1 m=41
